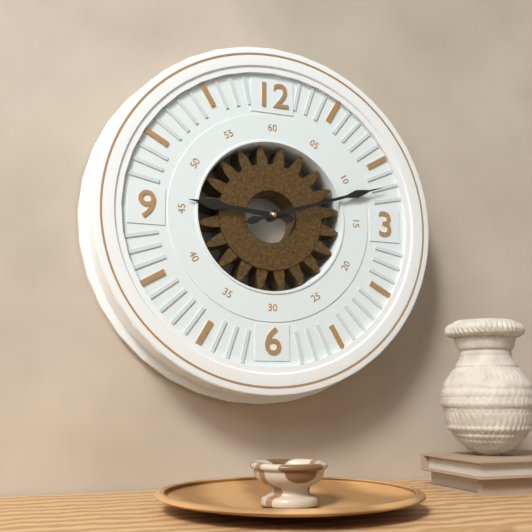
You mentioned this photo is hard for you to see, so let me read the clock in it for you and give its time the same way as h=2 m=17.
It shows h=9 m=12
